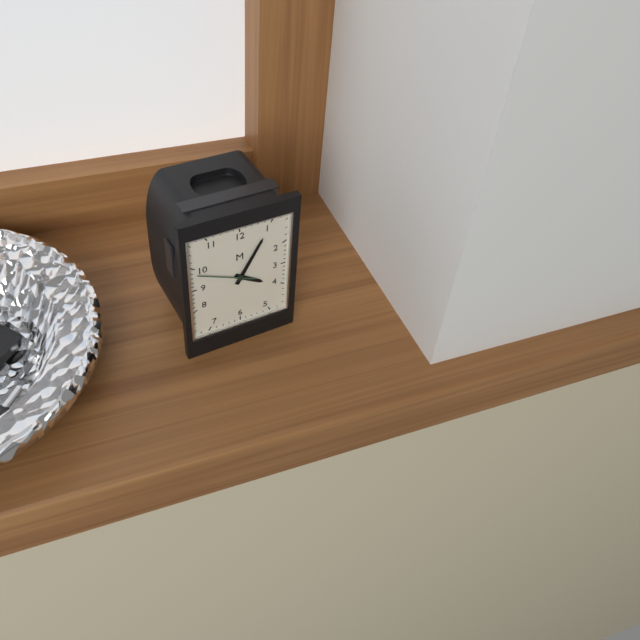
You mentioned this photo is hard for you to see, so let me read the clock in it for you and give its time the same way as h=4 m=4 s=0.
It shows h=4 m=5 s=49
